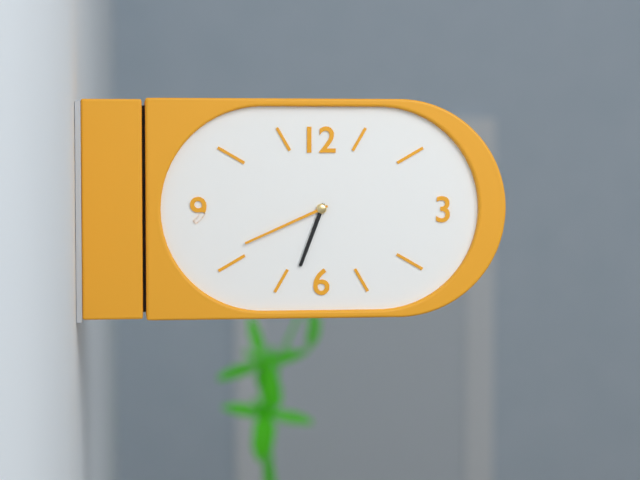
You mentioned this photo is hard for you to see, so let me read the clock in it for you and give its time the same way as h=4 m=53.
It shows h=6 m=41
